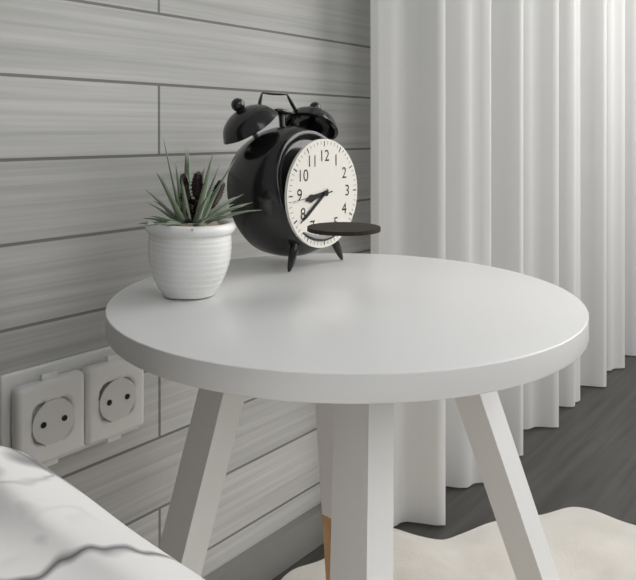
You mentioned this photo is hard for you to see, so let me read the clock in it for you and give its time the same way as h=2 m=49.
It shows h=8 m=39
